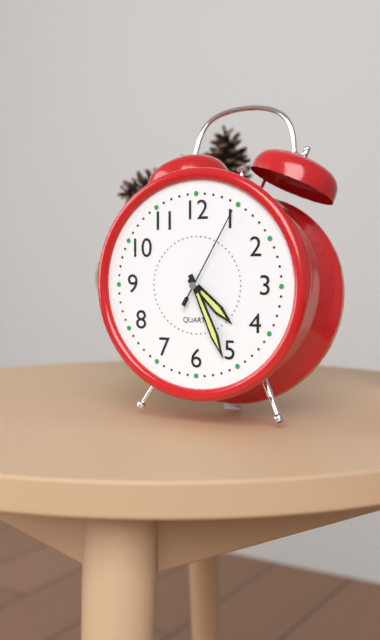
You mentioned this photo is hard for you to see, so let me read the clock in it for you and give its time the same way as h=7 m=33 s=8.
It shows h=4 m=26 s=5
